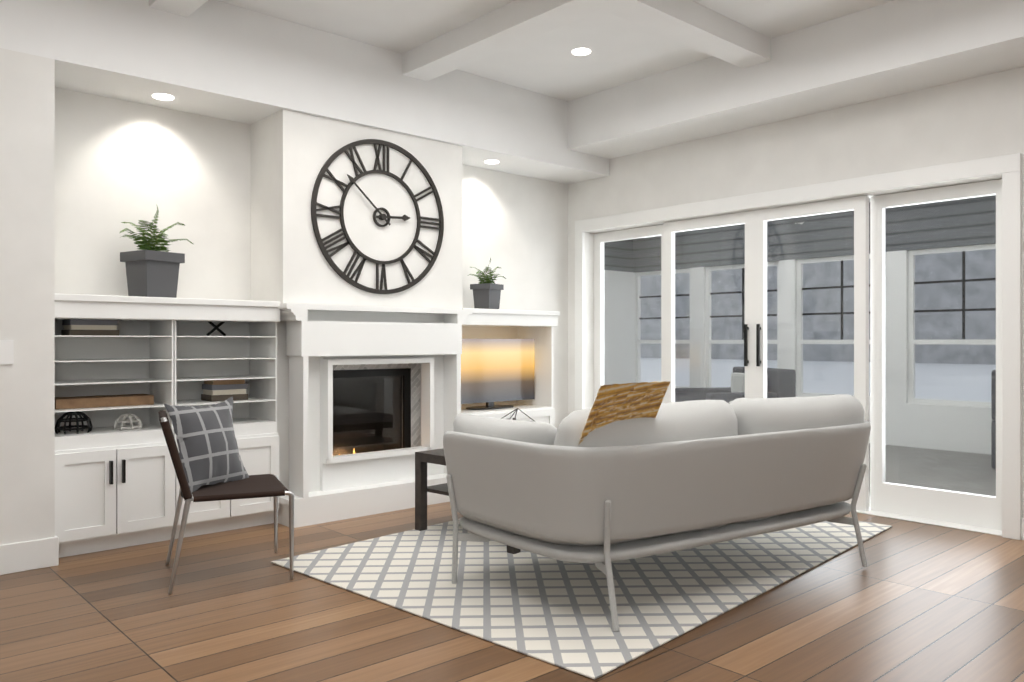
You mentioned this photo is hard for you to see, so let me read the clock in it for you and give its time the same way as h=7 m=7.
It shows h=2 m=52
